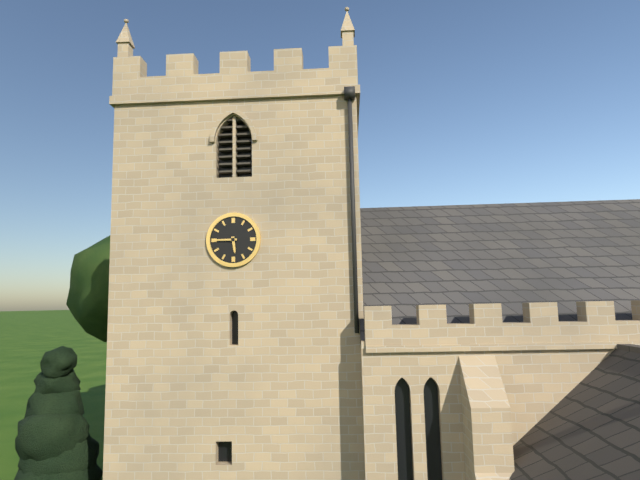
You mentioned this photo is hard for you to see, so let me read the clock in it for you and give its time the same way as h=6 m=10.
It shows h=5 m=45
